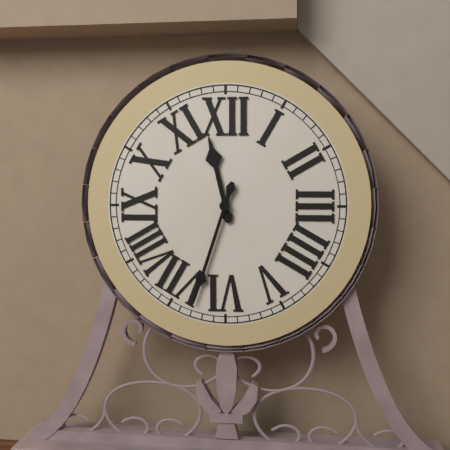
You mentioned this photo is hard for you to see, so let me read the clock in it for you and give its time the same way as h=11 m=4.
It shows h=11 m=33
